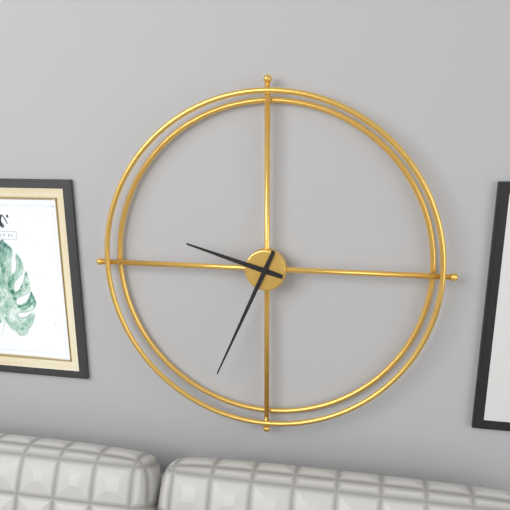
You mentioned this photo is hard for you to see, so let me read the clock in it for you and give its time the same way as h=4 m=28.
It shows h=9 m=34
